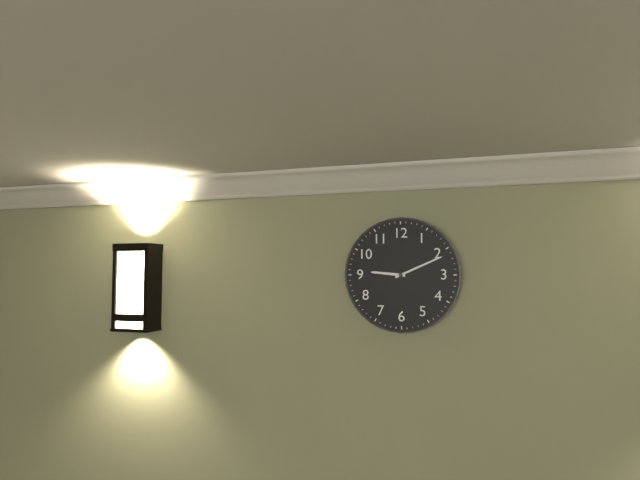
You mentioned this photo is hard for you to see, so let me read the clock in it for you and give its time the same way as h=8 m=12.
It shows h=9 m=11
